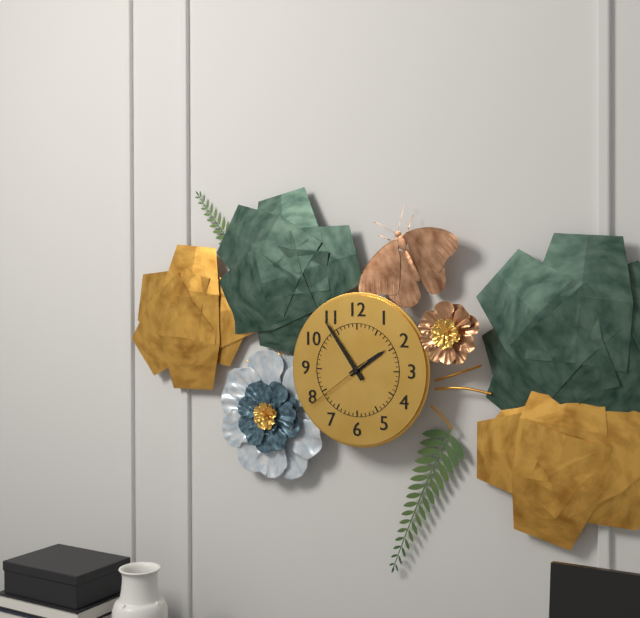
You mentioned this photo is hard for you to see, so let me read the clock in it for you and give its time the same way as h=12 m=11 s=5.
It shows h=1 m=54 s=39
